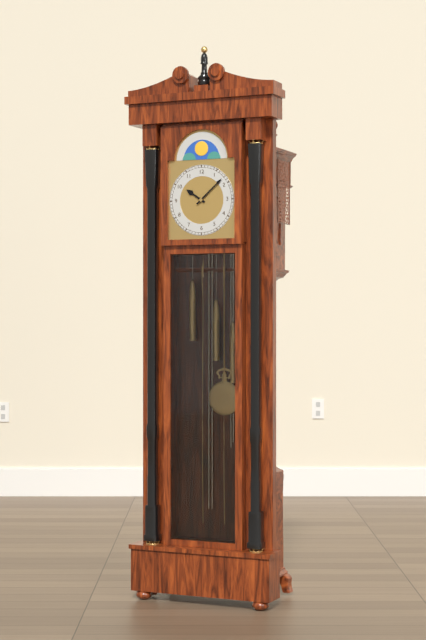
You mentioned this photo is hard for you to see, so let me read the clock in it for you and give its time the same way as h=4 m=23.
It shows h=10 m=8
